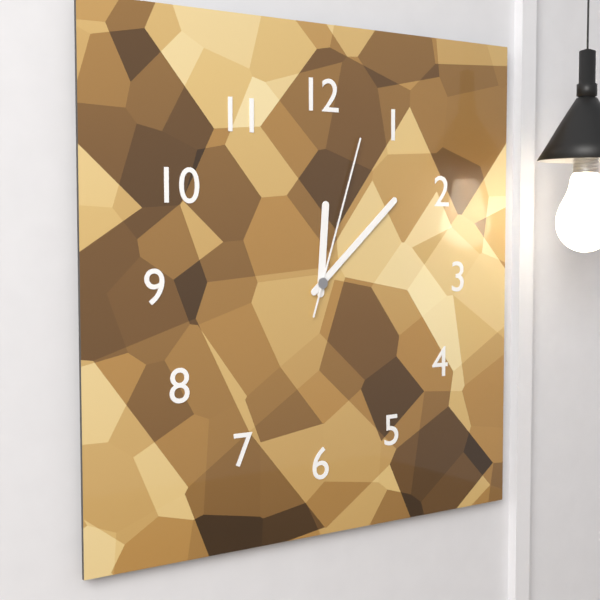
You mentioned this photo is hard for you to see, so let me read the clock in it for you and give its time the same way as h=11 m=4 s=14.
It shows h=12 m=8 s=3
